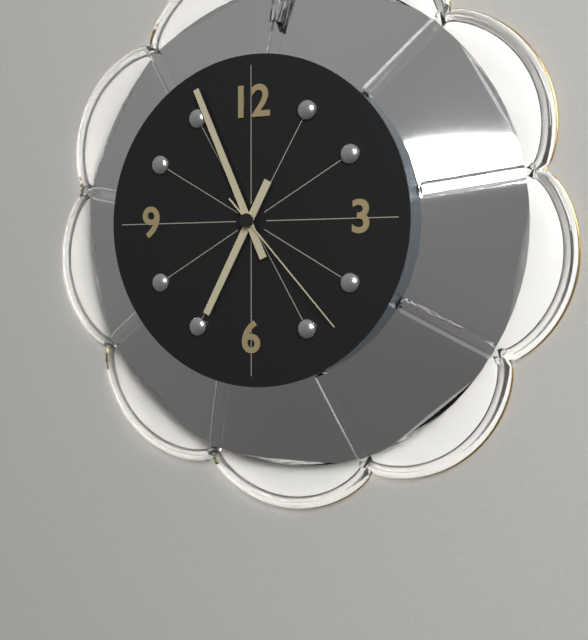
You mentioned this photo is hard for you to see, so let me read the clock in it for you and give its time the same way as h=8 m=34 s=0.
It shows h=6 m=56 s=23
